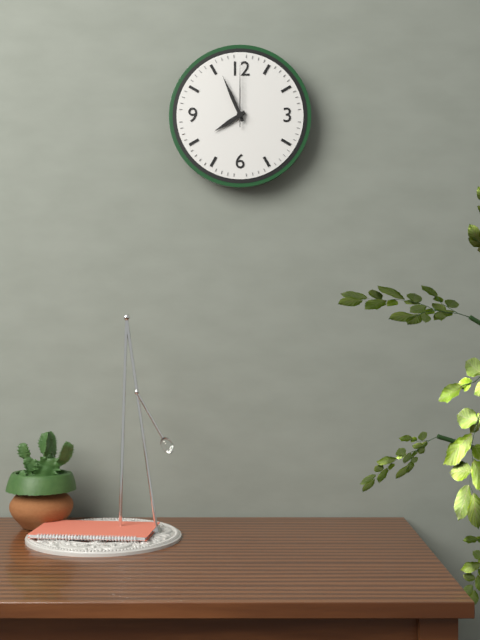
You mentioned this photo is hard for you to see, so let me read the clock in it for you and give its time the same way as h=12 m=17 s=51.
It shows h=7 m=56 s=0
